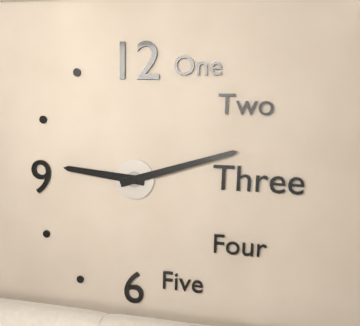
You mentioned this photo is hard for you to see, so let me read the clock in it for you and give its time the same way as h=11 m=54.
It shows h=9 m=12
